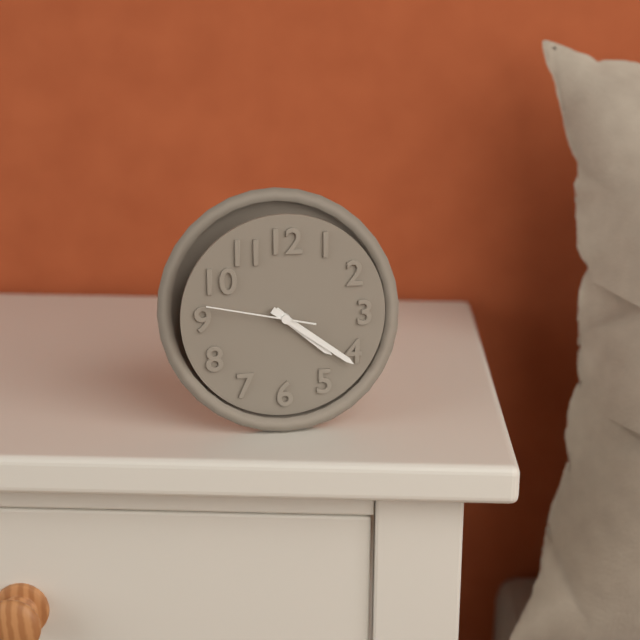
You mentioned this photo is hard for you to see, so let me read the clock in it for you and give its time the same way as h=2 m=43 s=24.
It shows h=4 m=21 s=47
